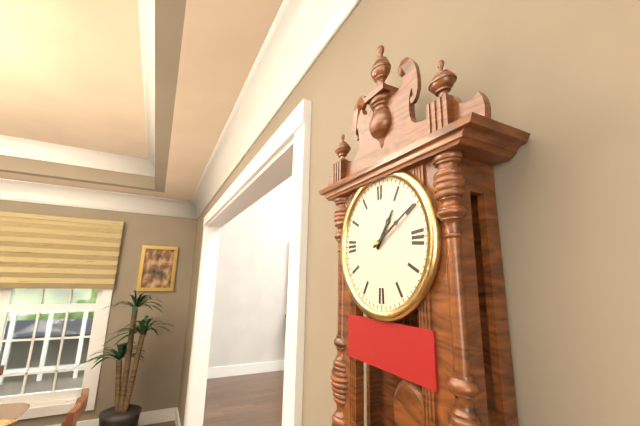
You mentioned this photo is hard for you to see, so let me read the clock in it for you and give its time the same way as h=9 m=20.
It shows h=1 m=10
